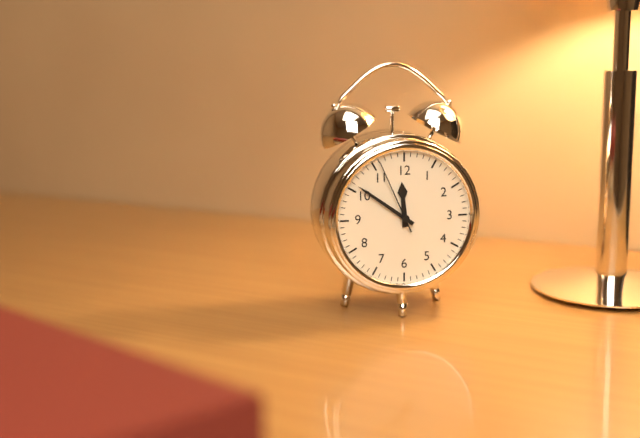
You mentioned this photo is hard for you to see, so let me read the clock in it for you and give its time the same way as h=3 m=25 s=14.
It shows h=11 m=51 s=56
